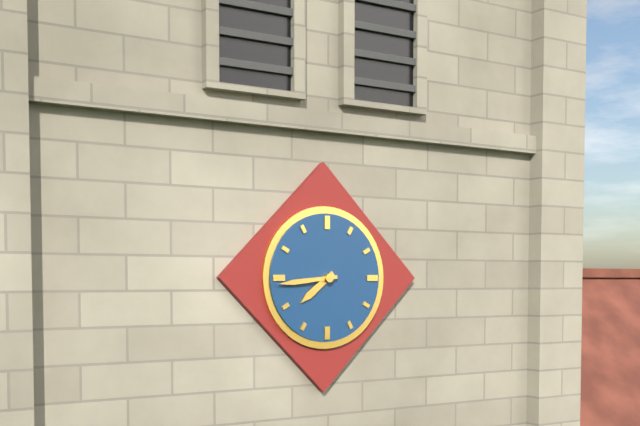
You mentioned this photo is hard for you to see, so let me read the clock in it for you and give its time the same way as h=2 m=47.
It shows h=7 m=44
